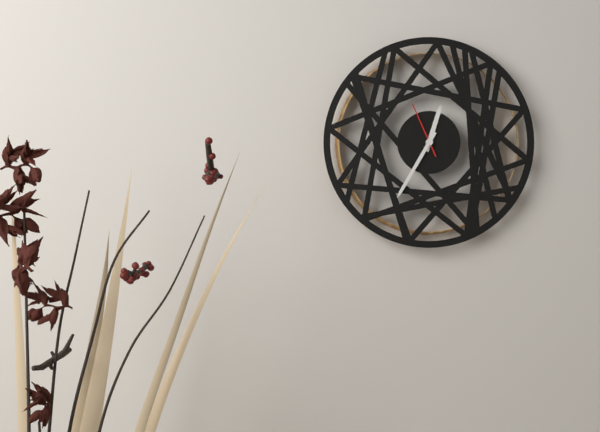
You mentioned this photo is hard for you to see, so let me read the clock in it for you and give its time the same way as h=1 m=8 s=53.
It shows h=12 m=35 s=56
